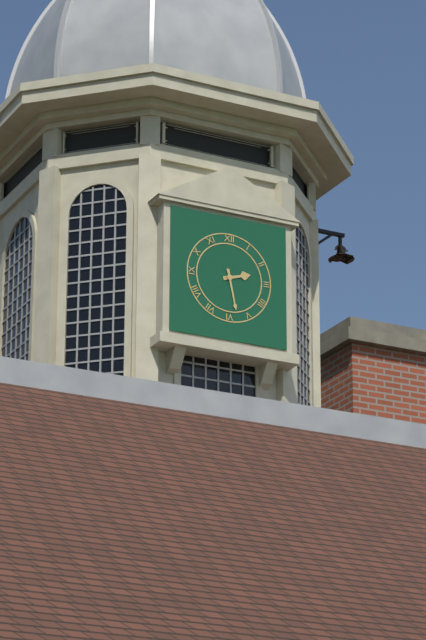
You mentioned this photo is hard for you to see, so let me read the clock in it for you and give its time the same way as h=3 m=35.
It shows h=2 m=28
